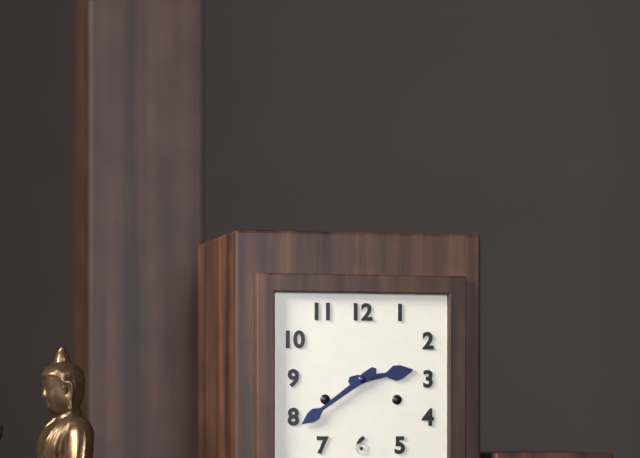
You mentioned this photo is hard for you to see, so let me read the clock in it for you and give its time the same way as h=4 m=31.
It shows h=2 m=39
